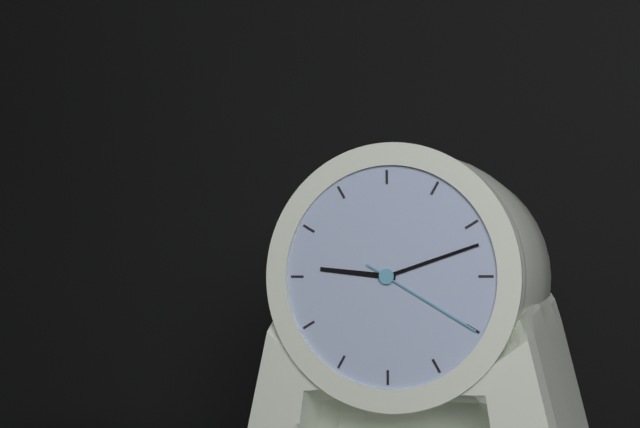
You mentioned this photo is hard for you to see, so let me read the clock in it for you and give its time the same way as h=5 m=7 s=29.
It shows h=9 m=12 s=20
